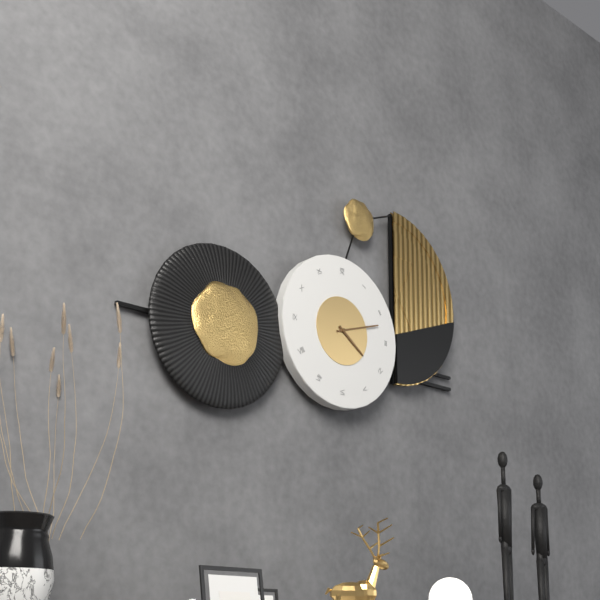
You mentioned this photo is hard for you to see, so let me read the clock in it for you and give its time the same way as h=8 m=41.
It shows h=4 m=12
